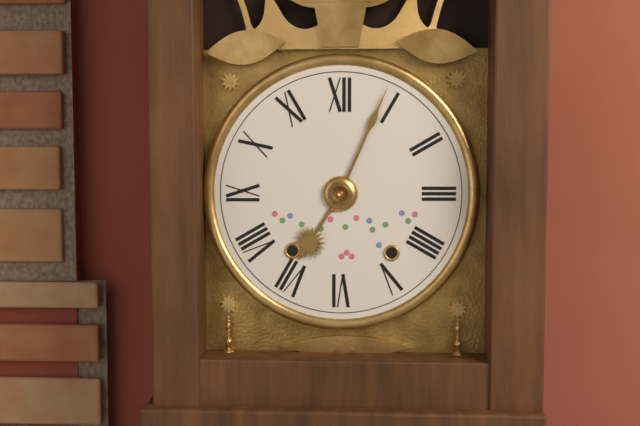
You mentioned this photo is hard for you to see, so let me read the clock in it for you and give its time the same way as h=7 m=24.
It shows h=7 m=4
